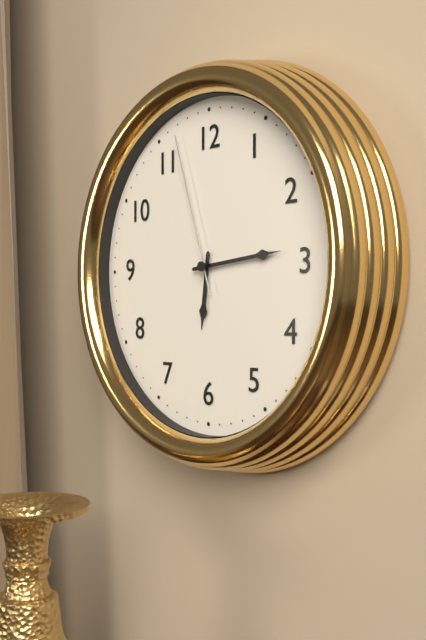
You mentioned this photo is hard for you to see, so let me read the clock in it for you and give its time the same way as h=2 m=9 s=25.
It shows h=6 m=14 s=57
